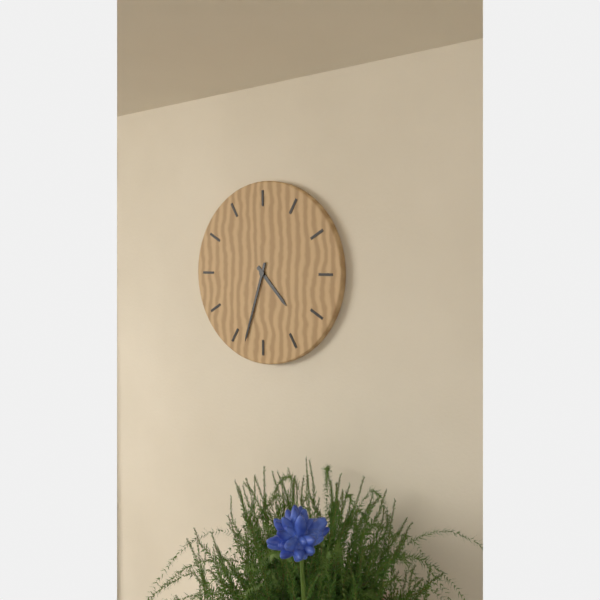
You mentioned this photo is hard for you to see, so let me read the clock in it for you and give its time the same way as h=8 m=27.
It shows h=4 m=33
